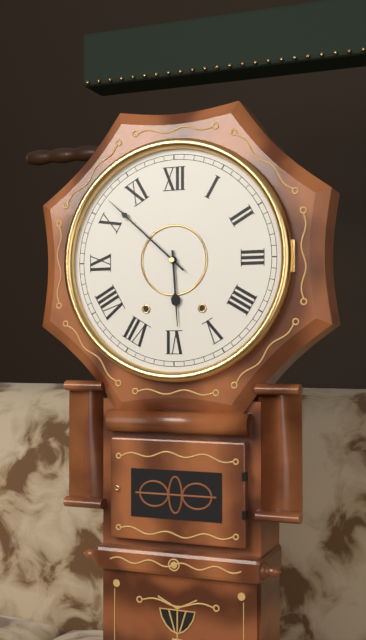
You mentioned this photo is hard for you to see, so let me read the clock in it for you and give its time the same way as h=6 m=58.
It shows h=5 m=52
